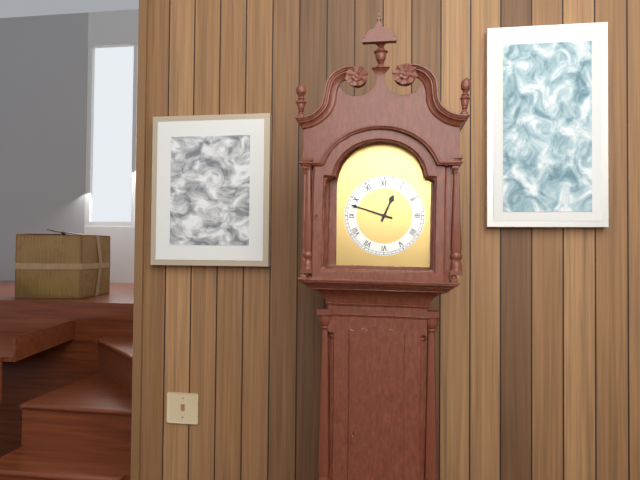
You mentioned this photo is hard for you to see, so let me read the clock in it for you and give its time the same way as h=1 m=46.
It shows h=12 m=48
